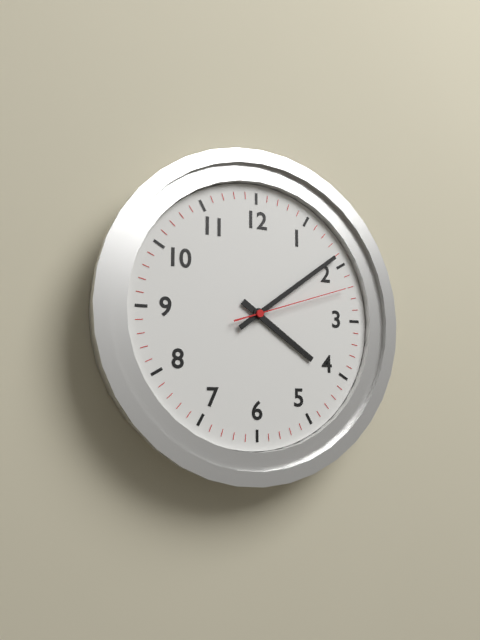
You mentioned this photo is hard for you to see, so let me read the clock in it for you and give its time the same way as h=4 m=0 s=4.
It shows h=4 m=9 s=12
